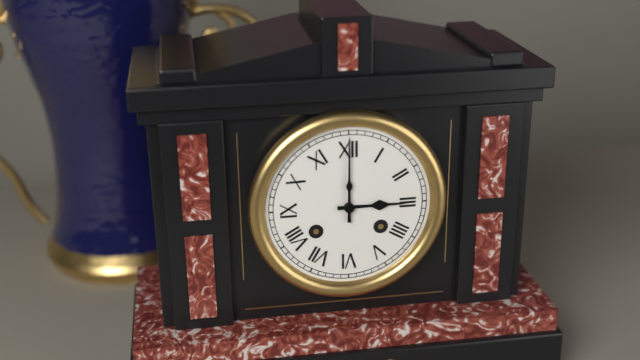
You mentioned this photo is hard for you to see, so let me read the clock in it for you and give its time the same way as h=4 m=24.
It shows h=3 m=0
